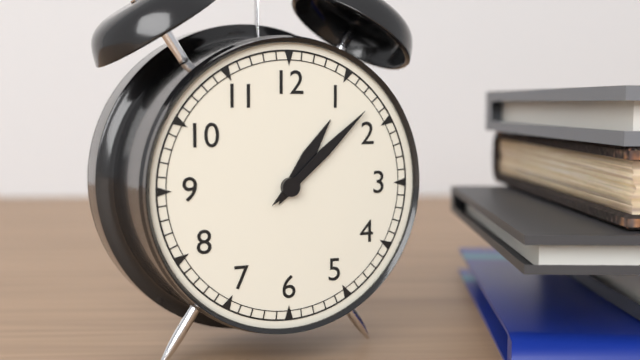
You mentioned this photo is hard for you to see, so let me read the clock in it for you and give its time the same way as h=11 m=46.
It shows h=1 m=8
